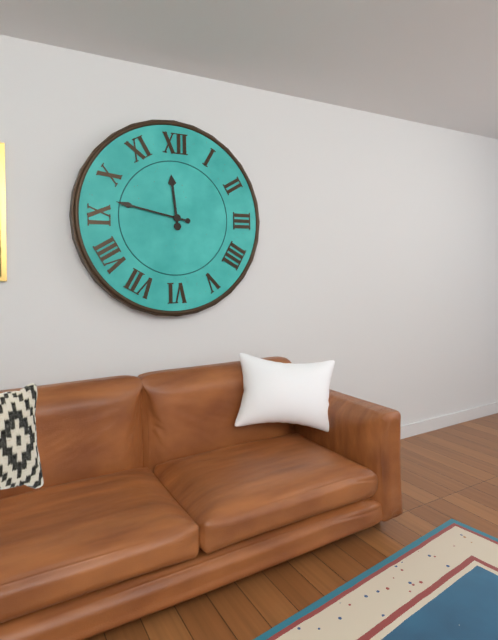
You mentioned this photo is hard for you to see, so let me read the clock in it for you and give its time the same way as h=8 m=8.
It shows h=11 m=47
